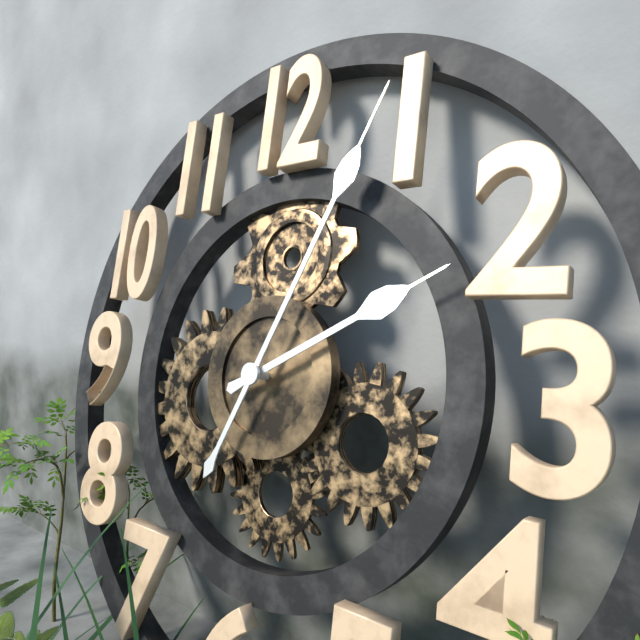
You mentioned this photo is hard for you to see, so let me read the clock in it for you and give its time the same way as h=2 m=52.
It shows h=2 m=4
